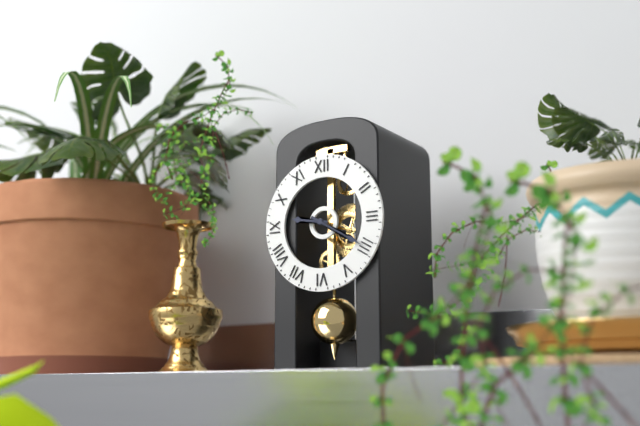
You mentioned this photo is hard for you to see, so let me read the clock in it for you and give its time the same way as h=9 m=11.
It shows h=9 m=20
